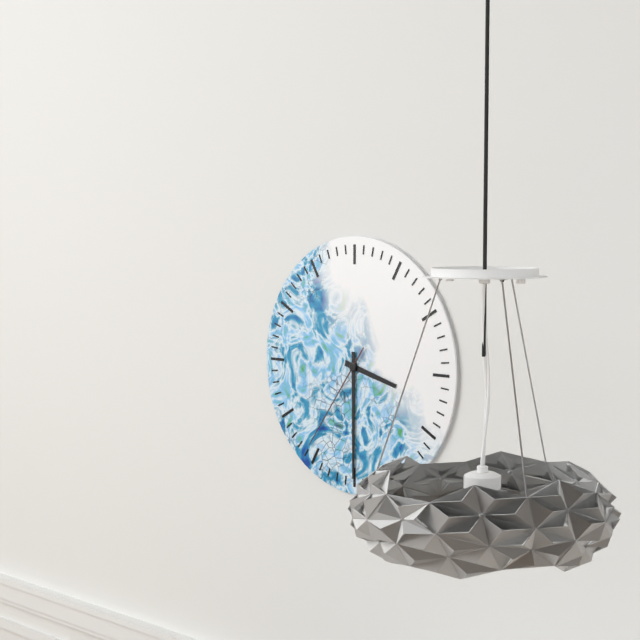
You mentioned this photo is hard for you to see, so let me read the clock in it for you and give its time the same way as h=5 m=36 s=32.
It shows h=3 m=30 s=36
